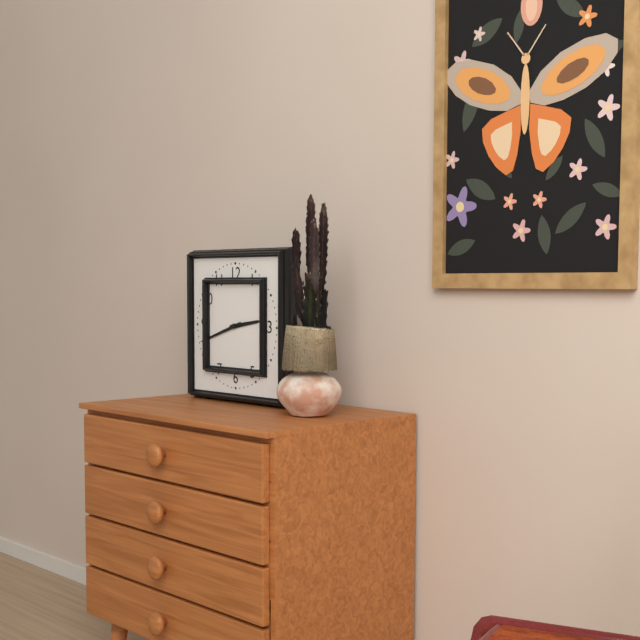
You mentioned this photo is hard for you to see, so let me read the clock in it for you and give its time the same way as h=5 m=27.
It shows h=2 m=42
